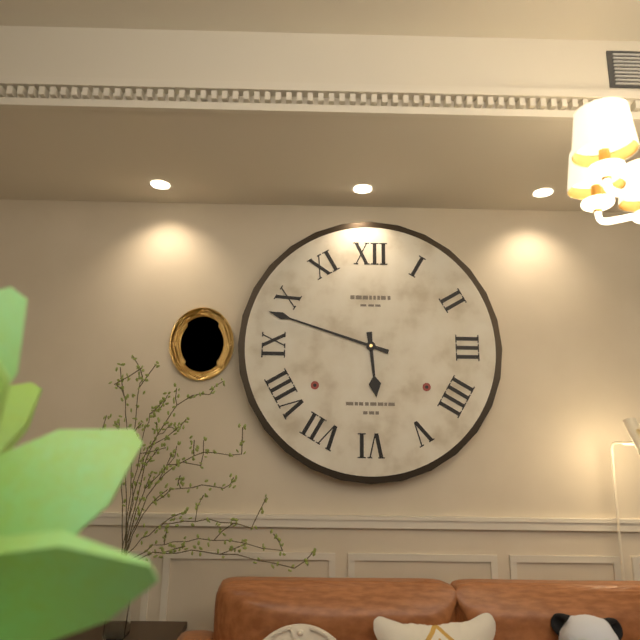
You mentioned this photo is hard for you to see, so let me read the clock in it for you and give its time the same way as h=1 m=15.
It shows h=5 m=48
